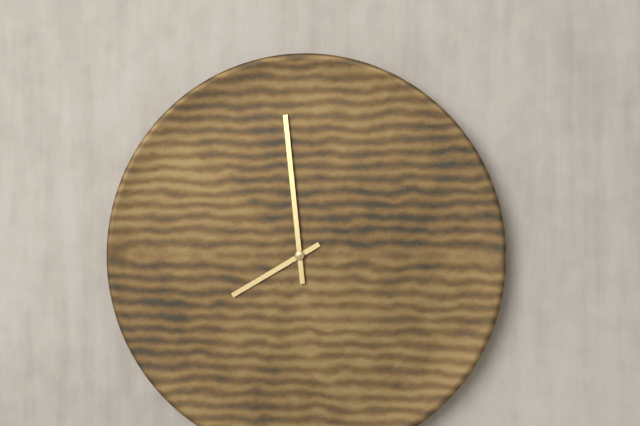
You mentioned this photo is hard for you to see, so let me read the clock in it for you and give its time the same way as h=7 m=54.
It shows h=7 m=59
